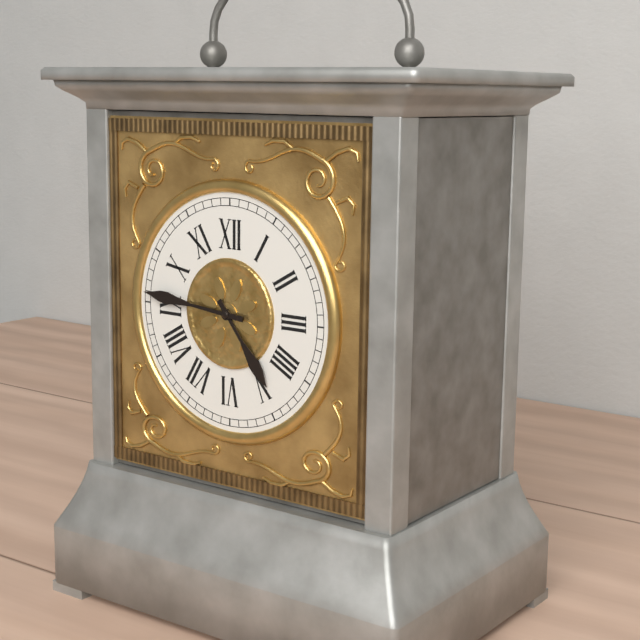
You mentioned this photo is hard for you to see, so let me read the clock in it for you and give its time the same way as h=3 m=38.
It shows h=4 m=46
